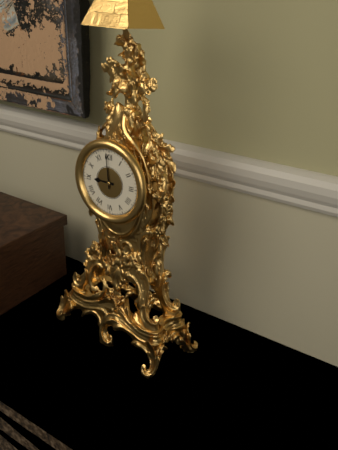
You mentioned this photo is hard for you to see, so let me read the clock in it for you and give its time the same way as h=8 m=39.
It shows h=8 m=59
